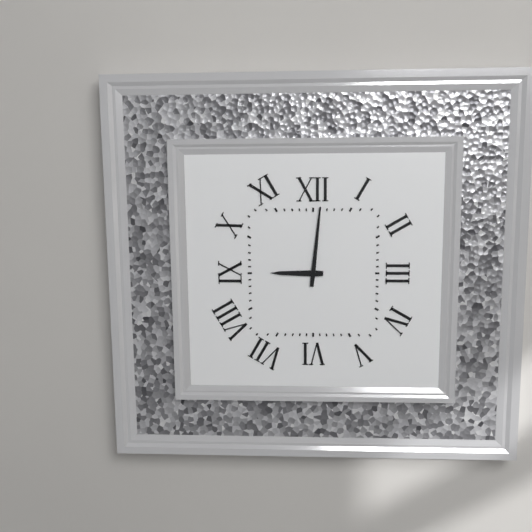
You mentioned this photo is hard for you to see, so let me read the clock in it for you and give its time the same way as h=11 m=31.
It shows h=9 m=1
